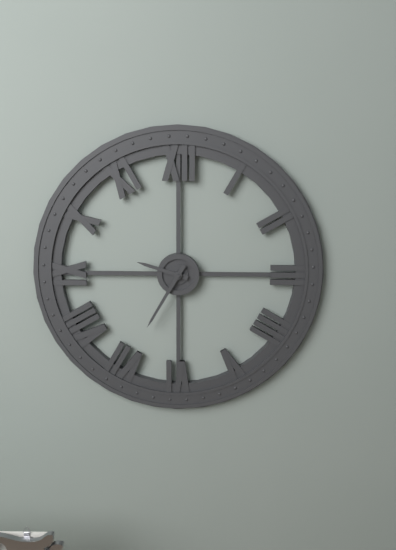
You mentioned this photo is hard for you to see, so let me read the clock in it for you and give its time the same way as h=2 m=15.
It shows h=9 m=35
